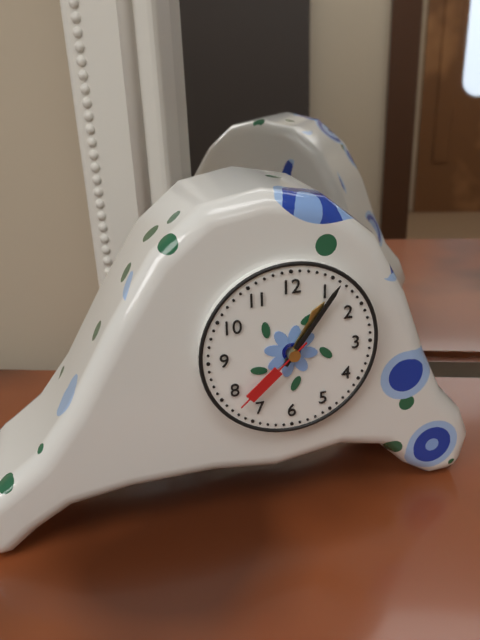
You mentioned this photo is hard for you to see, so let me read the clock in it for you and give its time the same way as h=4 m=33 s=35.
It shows h=1 m=6 s=38
